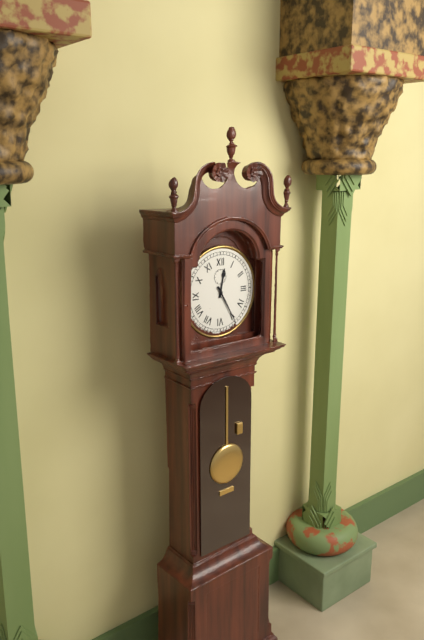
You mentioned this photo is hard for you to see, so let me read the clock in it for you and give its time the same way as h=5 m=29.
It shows h=12 m=25
